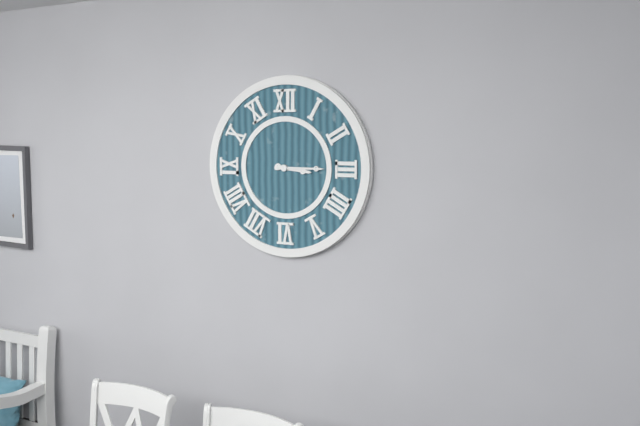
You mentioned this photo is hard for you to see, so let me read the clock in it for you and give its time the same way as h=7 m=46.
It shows h=3 m=15
